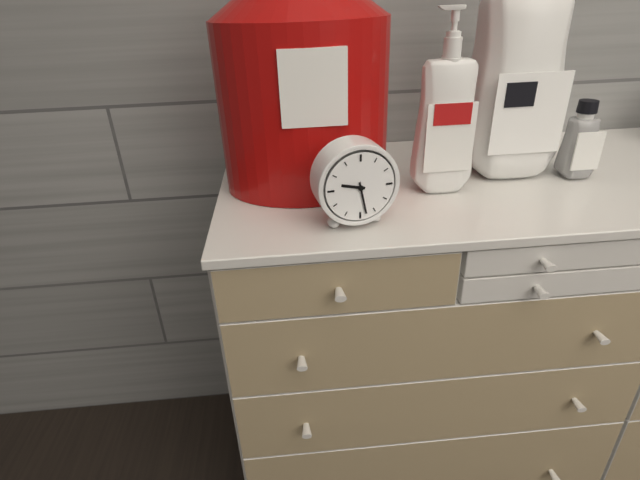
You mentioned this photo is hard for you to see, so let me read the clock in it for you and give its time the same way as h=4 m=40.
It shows h=9 m=28
